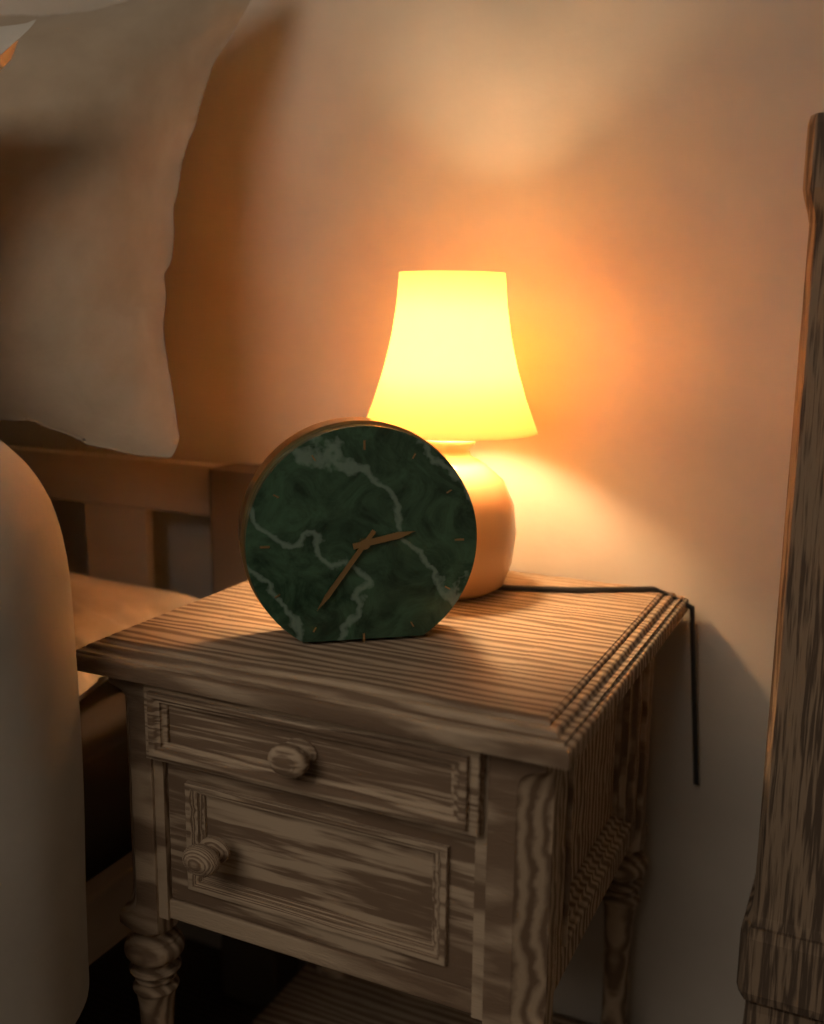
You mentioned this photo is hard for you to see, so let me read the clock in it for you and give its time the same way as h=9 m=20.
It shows h=2 m=36
